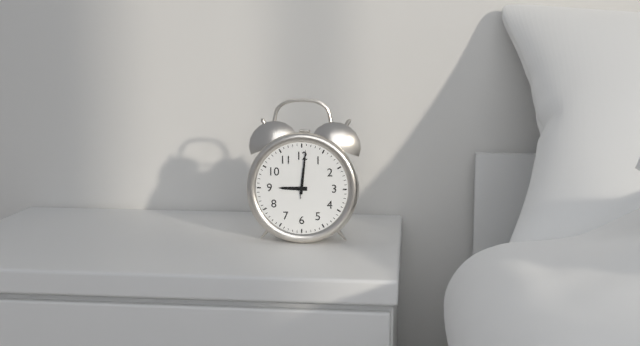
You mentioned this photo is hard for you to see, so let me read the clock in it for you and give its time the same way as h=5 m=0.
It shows h=9 m=1
